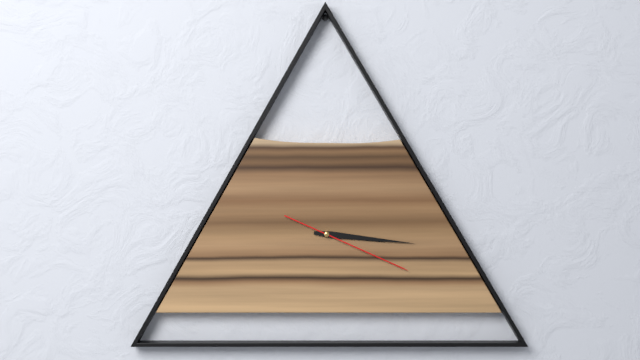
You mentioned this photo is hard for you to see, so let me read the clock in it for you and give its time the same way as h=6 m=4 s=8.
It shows h=3 m=16 s=19
